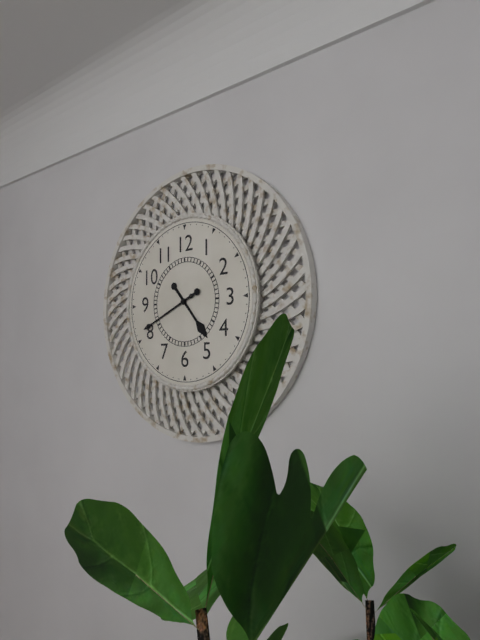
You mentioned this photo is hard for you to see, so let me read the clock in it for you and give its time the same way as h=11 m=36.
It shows h=4 m=41
